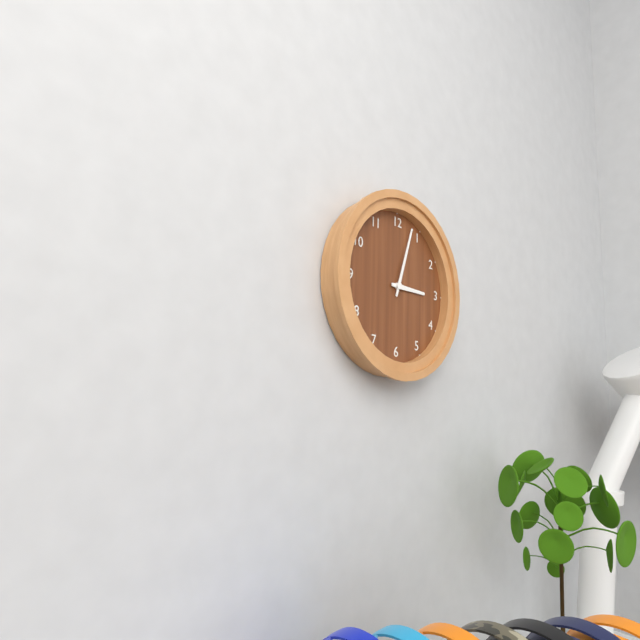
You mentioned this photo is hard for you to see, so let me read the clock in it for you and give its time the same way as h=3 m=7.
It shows h=3 m=3
